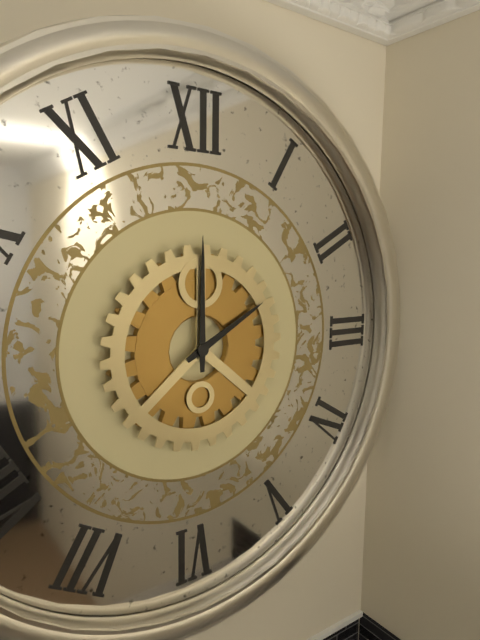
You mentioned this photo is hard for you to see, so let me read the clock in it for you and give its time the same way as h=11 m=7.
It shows h=2 m=0
